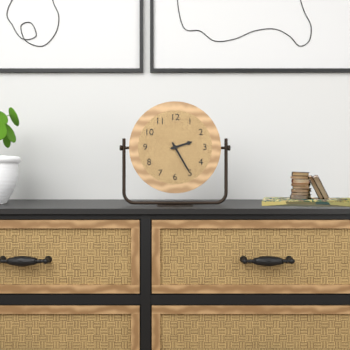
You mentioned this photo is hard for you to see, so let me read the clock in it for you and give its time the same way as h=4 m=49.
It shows h=2 m=25
